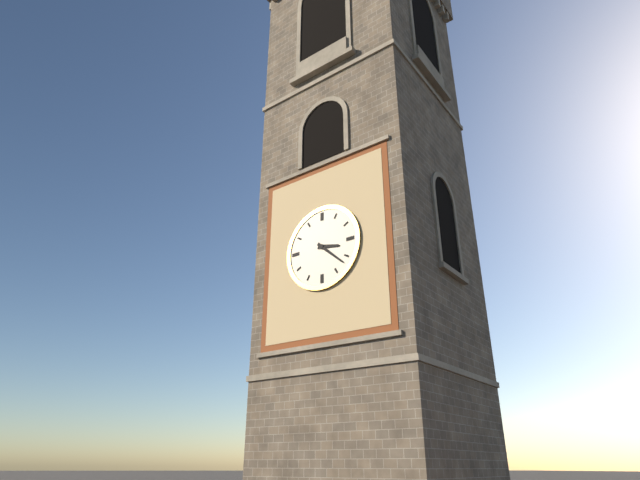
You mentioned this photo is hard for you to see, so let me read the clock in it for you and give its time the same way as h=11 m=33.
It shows h=3 m=22
